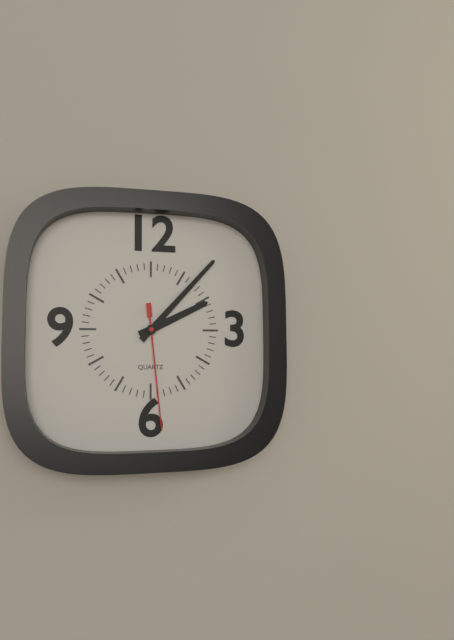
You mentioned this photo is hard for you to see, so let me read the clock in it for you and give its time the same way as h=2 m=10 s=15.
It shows h=2 m=7 s=29
